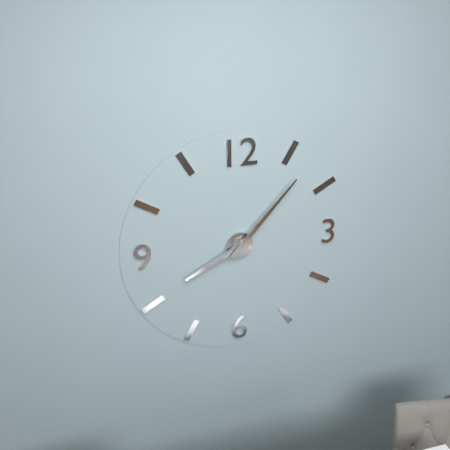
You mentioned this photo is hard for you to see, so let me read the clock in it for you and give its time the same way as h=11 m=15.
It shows h=8 m=7
